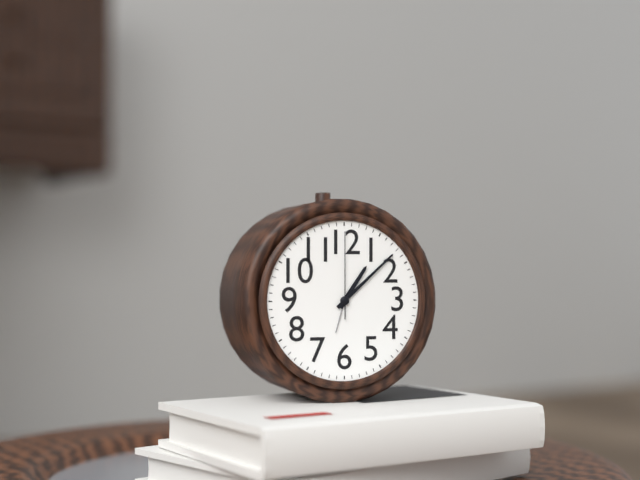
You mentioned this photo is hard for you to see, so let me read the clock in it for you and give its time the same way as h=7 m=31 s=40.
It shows h=1 m=8 s=0
